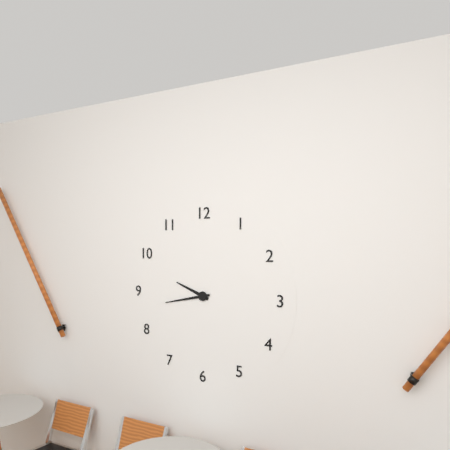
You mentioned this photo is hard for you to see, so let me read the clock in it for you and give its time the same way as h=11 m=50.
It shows h=9 m=43
